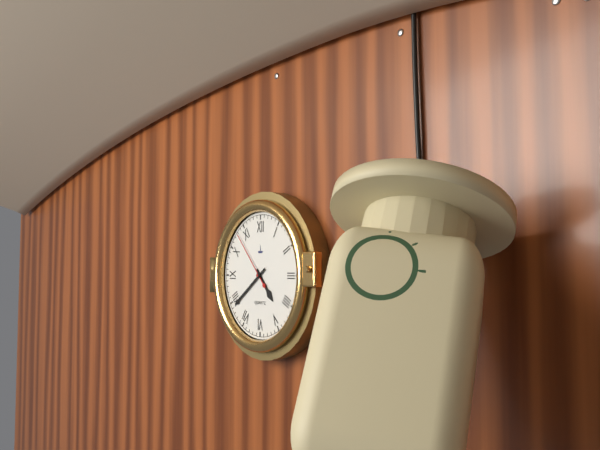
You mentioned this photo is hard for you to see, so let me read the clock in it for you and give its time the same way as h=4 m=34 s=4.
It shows h=4 m=39 s=53
